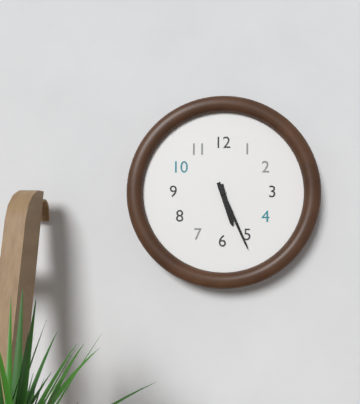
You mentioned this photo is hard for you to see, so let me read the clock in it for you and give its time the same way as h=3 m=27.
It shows h=5 m=26
